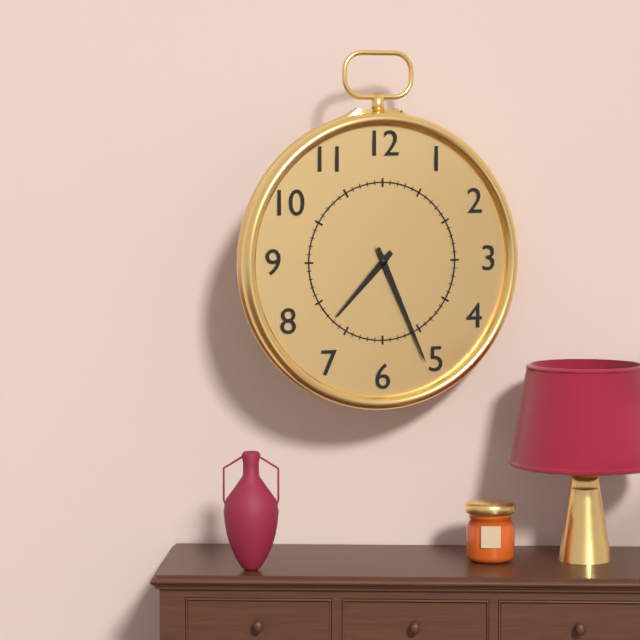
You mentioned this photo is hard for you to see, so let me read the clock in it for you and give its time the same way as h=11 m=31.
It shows h=7 m=26
